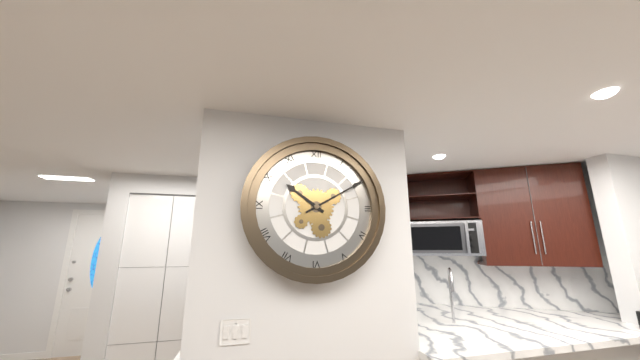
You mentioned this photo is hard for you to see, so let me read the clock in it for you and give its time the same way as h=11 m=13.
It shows h=10 m=10
